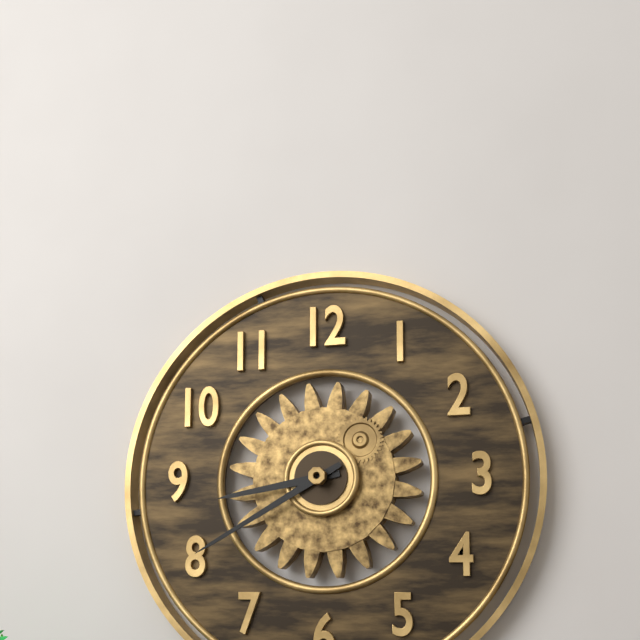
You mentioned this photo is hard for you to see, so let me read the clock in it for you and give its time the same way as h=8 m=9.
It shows h=8 m=40
